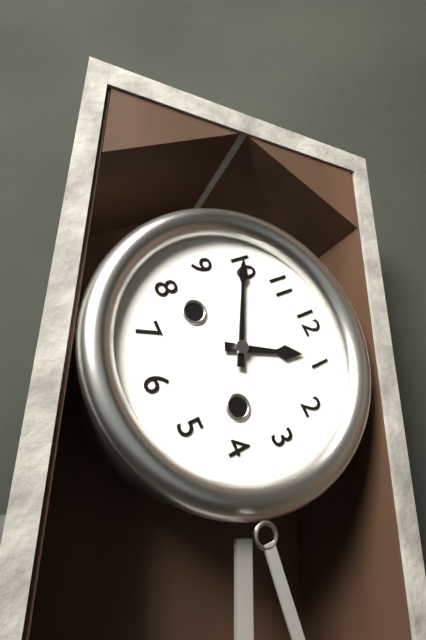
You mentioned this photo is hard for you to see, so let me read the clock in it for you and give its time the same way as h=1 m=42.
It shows h=12 m=50
